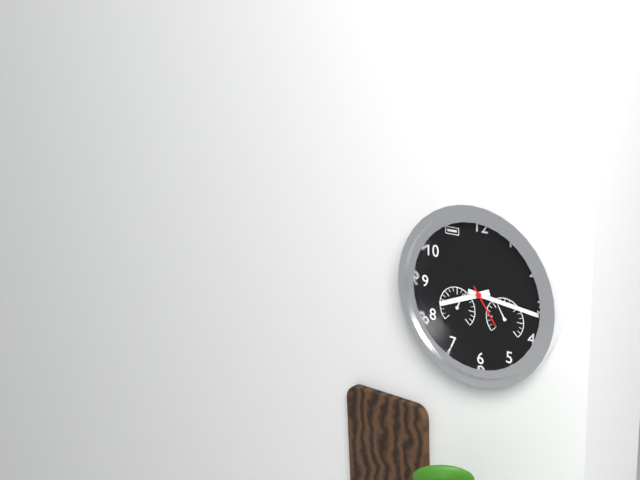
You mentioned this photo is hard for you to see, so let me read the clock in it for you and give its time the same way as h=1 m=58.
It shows h=8 m=16
